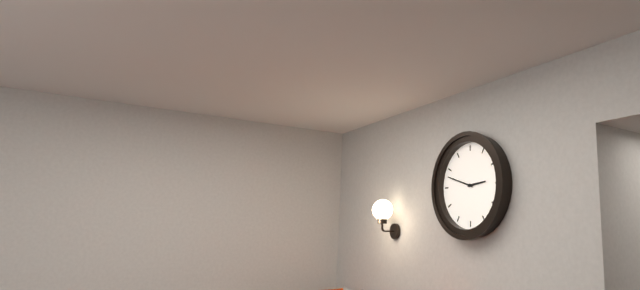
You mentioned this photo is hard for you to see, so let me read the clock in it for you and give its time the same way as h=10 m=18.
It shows h=2 m=48
